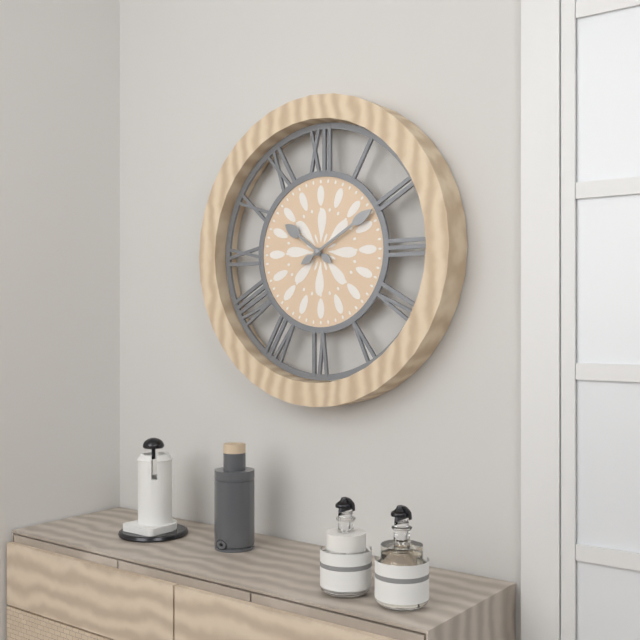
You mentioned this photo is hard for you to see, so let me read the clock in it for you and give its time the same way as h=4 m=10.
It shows h=10 m=10
